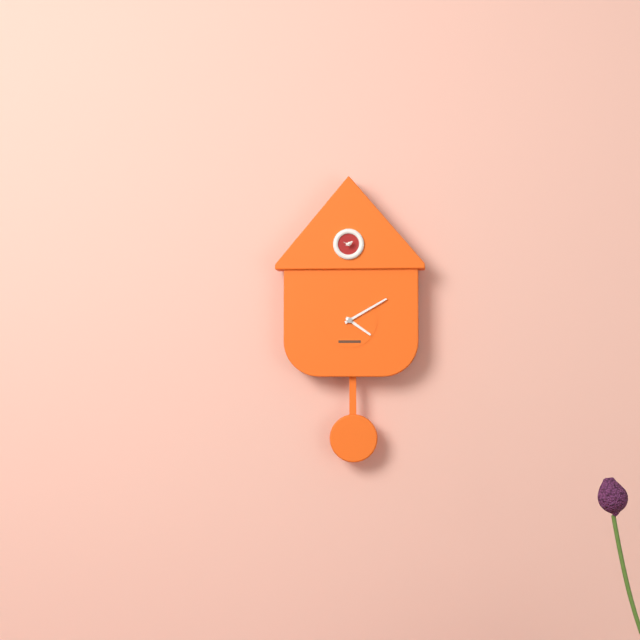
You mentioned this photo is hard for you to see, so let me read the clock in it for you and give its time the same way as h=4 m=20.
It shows h=4 m=10
